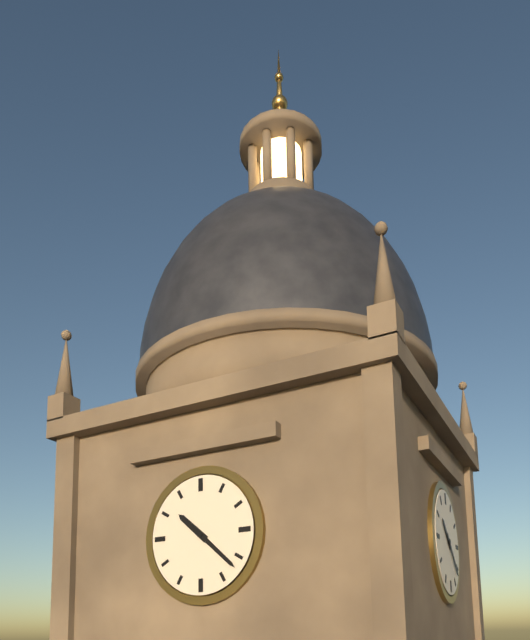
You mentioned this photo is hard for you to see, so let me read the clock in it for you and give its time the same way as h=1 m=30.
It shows h=10 m=22
